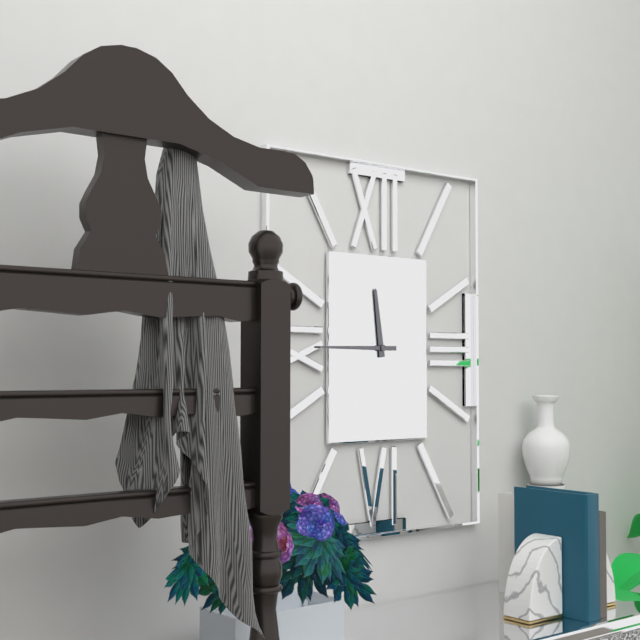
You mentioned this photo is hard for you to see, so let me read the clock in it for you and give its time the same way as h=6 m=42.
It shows h=11 m=45
